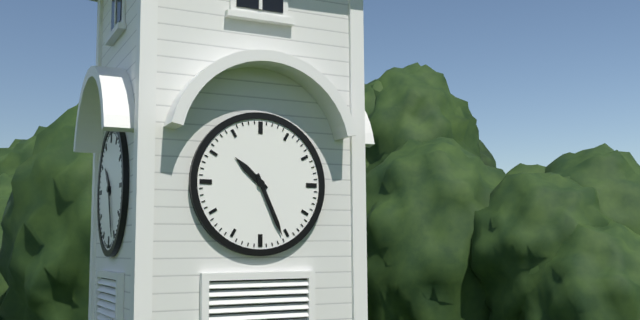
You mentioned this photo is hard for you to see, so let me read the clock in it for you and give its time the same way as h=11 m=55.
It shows h=10 m=26
